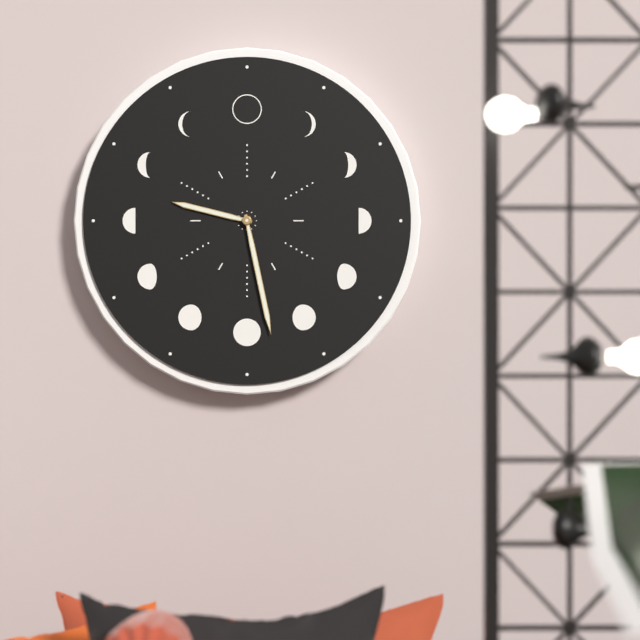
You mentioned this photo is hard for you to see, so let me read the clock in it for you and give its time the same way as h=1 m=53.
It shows h=9 m=28
